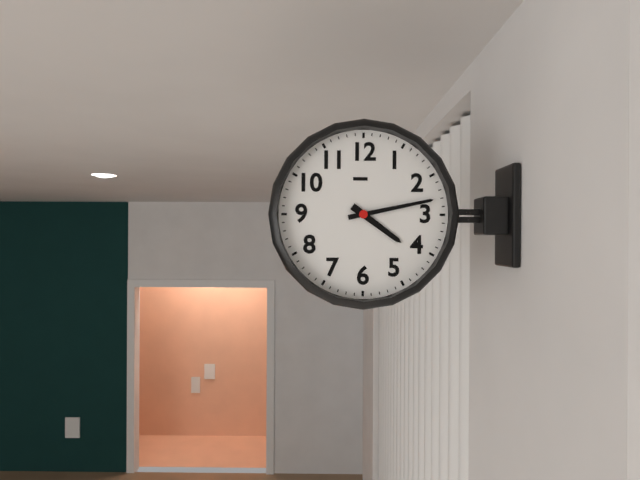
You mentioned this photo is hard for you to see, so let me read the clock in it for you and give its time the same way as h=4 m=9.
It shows h=4 m=13
